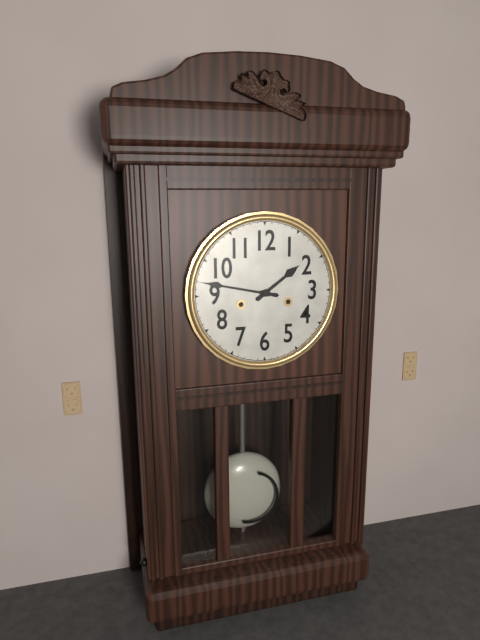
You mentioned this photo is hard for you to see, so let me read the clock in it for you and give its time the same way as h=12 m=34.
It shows h=1 m=47
